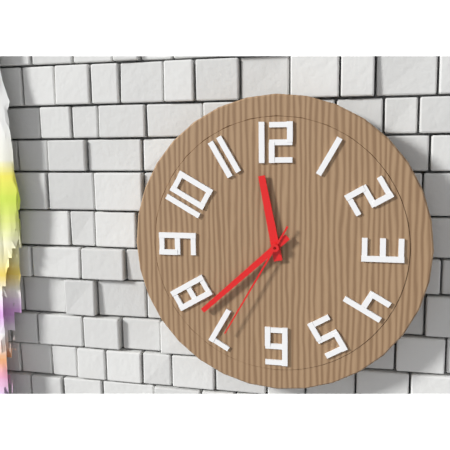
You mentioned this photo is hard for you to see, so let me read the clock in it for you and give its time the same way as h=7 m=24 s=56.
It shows h=11 m=38 s=35
